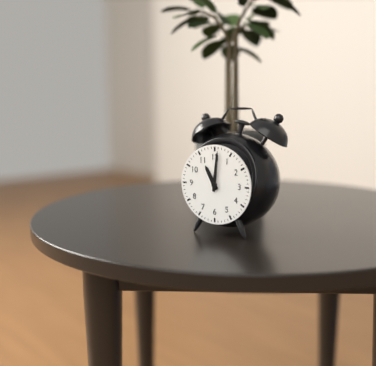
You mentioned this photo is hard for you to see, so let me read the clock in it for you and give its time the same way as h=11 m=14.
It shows h=11 m=1
